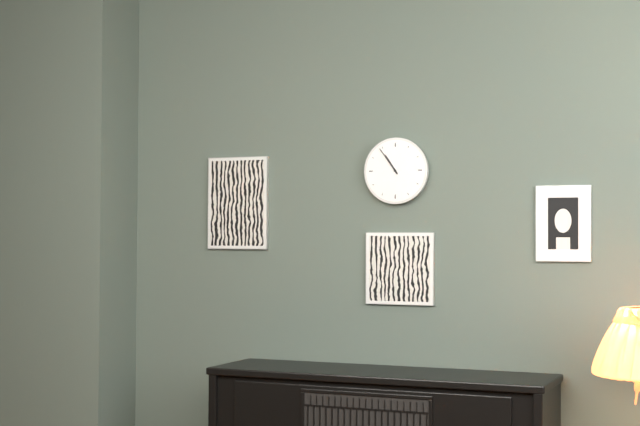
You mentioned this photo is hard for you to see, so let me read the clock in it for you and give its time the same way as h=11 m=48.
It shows h=10 m=54
